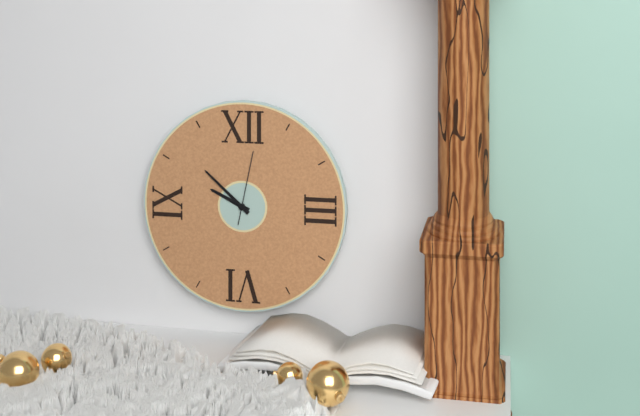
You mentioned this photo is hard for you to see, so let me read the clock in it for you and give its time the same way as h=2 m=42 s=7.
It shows h=9 m=52 s=2
